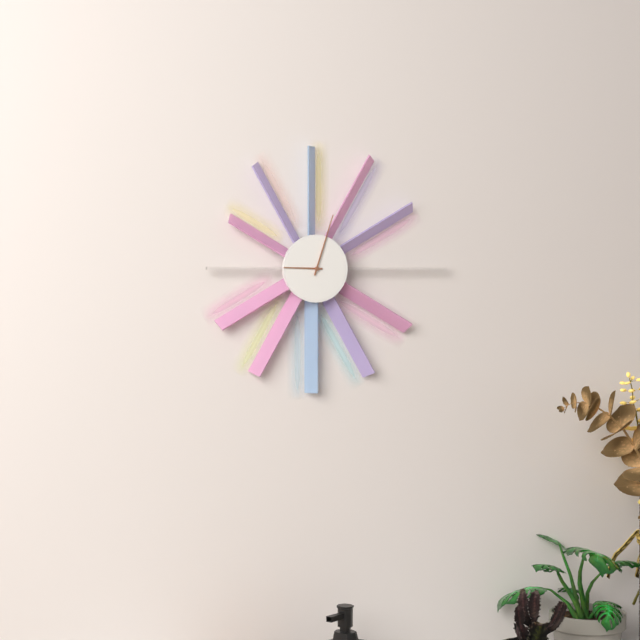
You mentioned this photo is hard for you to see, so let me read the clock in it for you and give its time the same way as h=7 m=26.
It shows h=9 m=3
